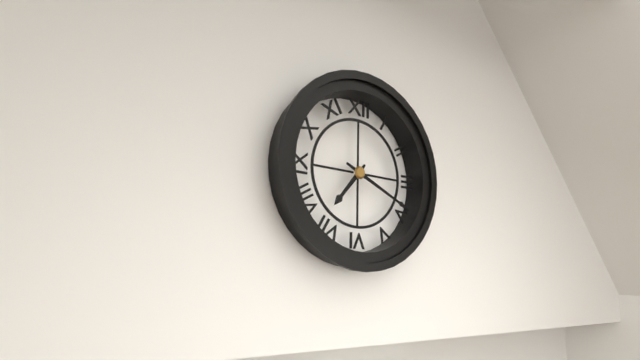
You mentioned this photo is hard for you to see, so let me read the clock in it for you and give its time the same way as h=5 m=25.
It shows h=7 m=19
